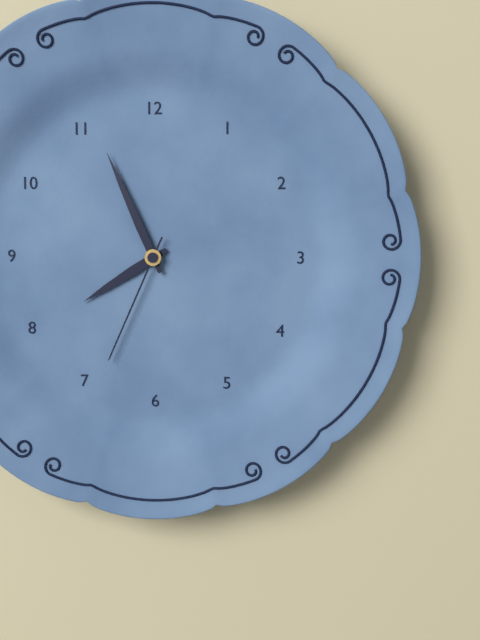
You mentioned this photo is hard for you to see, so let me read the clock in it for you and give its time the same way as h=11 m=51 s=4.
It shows h=7 m=56 s=34
